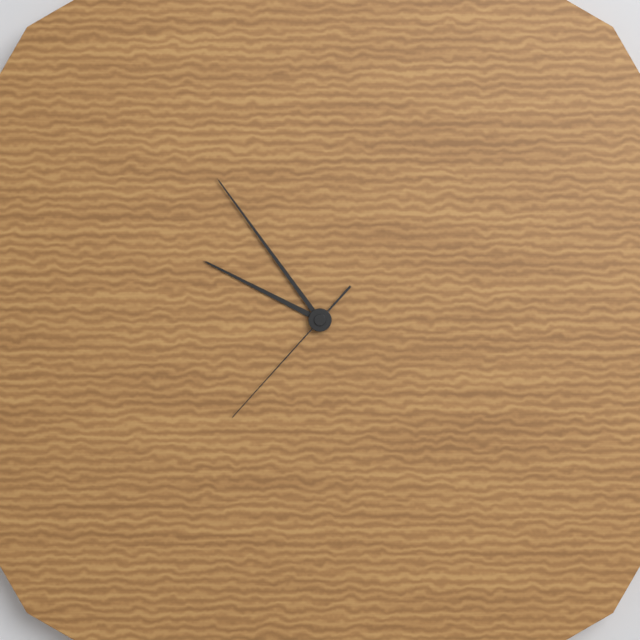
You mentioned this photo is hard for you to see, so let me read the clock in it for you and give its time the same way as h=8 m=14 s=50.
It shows h=9 m=54 s=37
